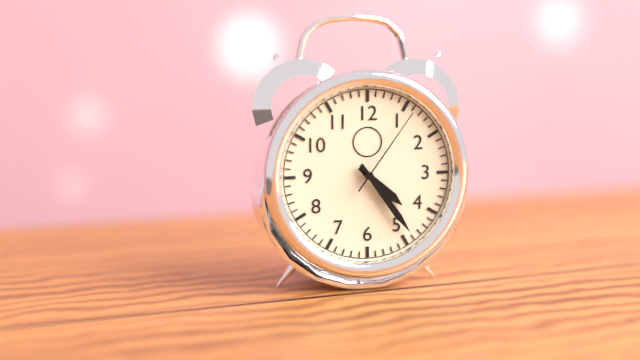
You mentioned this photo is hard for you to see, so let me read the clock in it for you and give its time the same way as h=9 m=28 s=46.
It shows h=4 m=24 s=6
